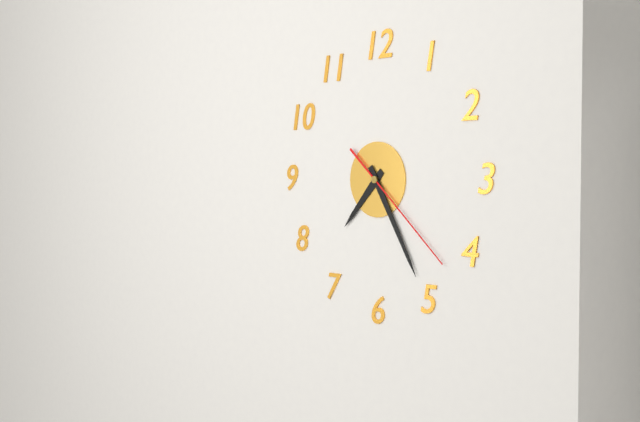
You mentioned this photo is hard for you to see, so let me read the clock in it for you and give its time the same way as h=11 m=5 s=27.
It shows h=7 m=25 s=22
